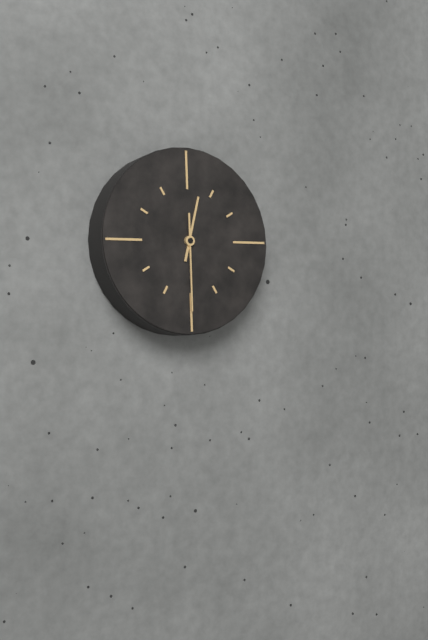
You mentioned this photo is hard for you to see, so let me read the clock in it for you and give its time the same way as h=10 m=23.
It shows h=12 m=30
